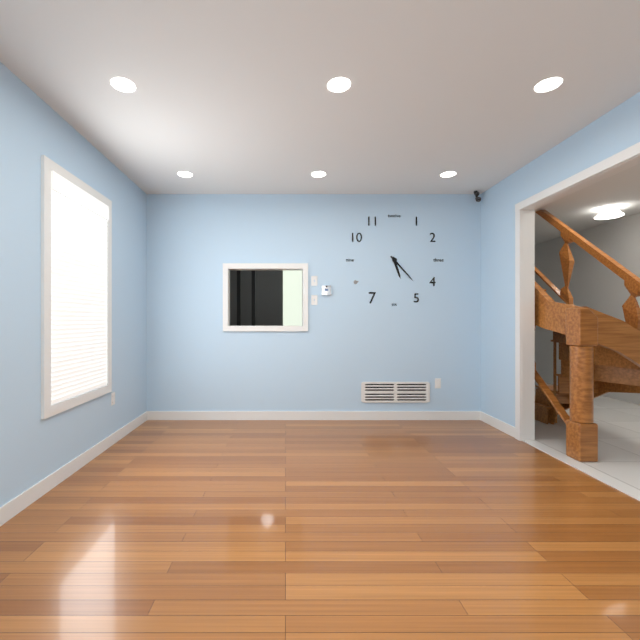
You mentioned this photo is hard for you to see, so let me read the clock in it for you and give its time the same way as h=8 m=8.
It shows h=5 m=23
